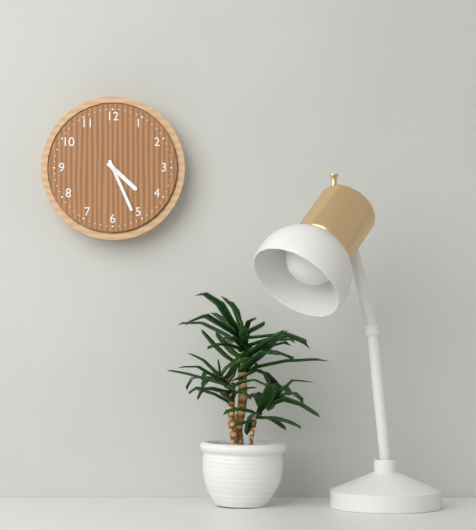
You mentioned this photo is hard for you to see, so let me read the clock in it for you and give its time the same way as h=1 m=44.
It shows h=4 m=26
